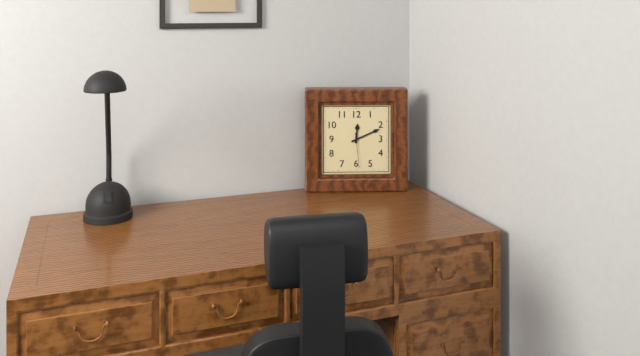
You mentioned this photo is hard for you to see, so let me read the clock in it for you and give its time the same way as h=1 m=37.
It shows h=12 m=11
